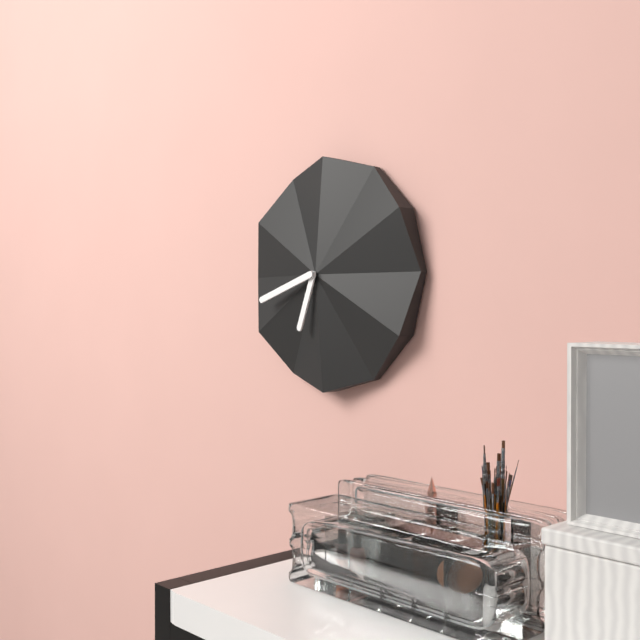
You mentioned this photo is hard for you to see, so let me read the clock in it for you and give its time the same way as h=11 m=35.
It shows h=6 m=42
